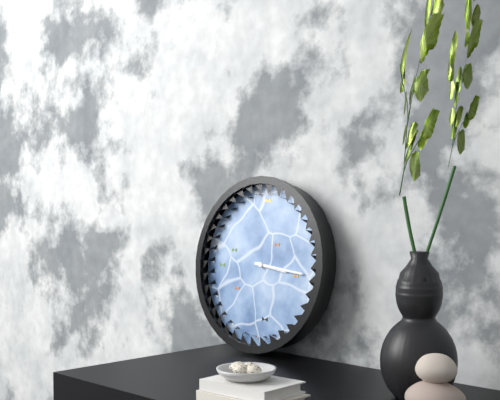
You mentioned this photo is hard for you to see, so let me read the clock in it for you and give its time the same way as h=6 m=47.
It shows h=3 m=16
